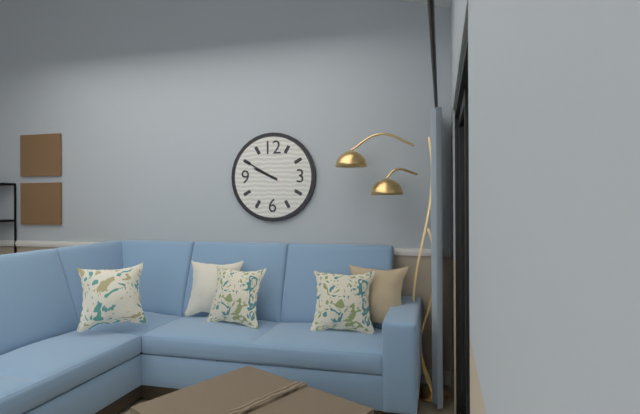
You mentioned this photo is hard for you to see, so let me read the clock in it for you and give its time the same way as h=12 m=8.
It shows h=9 m=50
